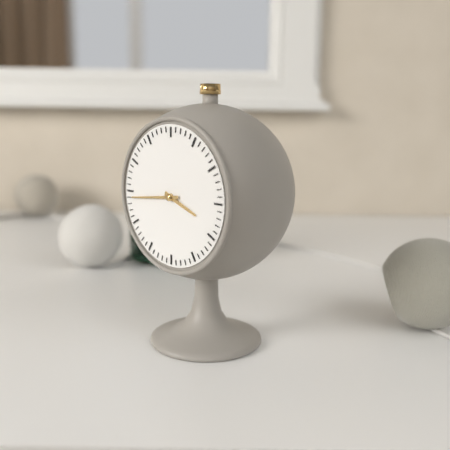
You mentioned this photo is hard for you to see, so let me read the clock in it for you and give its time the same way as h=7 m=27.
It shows h=3 m=44
